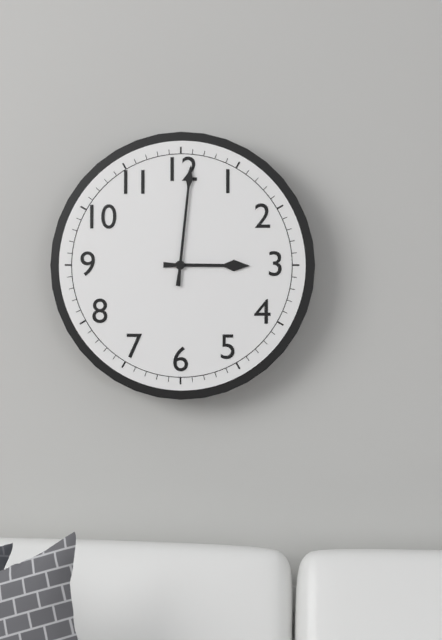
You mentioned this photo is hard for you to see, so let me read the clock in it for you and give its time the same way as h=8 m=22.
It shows h=3 m=1
